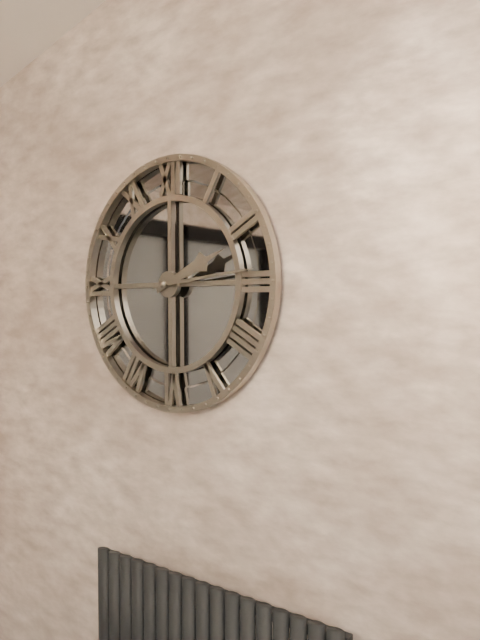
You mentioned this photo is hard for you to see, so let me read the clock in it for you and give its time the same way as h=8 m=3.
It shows h=2 m=14
